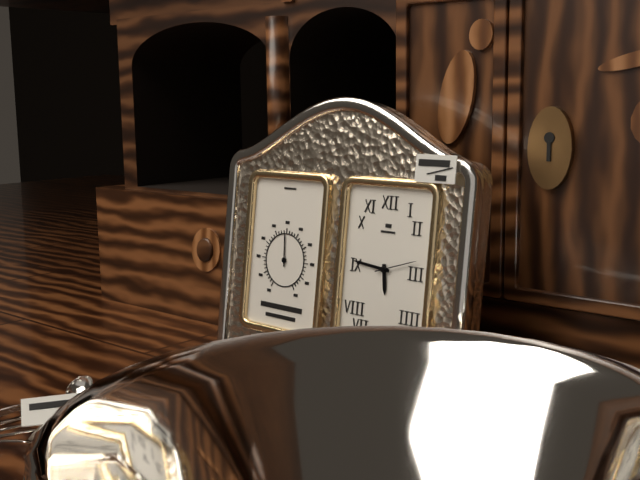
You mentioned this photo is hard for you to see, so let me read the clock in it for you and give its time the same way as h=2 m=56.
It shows h=5 m=46
